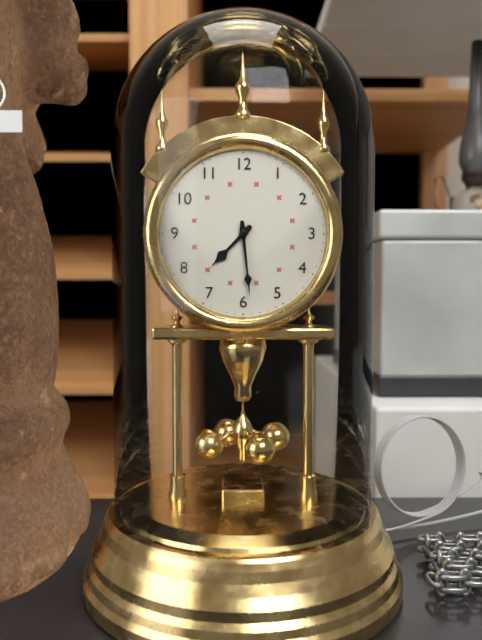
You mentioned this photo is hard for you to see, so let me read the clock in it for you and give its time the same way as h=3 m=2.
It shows h=7 m=29
